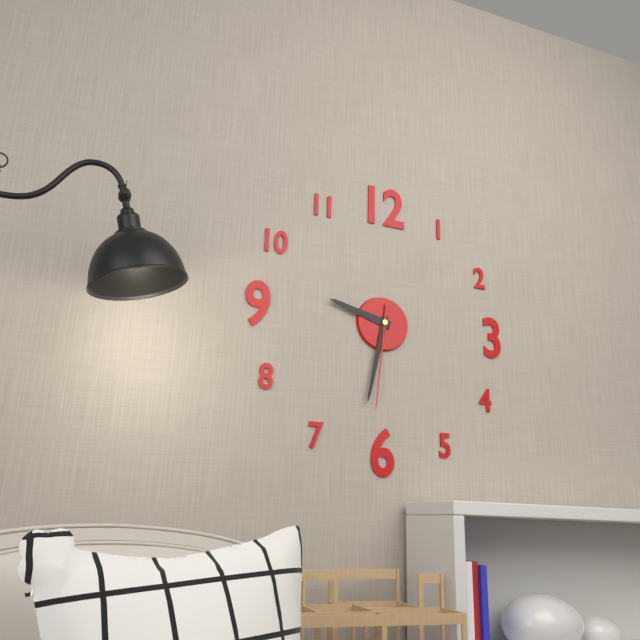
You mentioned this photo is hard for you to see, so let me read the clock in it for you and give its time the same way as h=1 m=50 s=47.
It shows h=9 m=32 s=31
